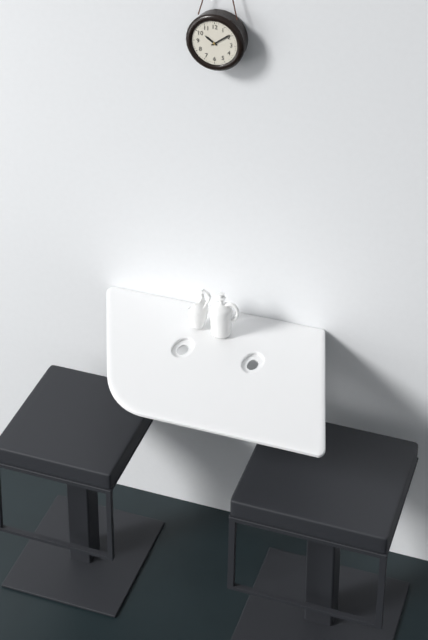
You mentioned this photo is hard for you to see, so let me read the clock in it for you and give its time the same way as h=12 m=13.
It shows h=10 m=9
